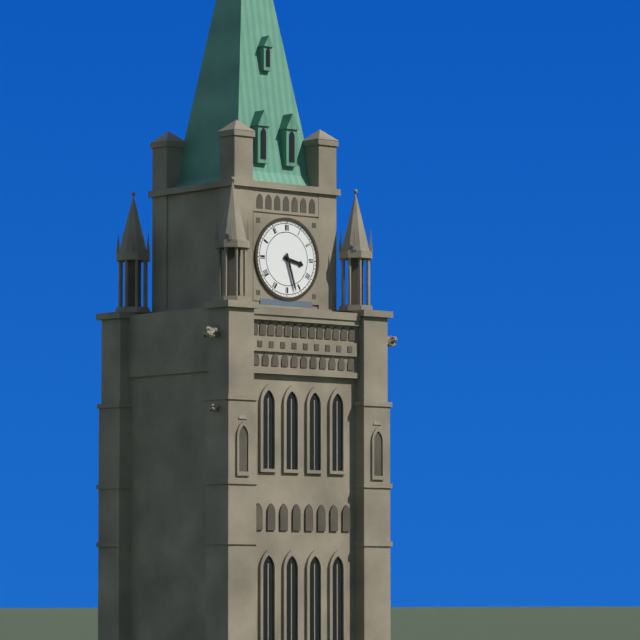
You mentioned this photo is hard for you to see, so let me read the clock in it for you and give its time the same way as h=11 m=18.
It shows h=3 m=27
